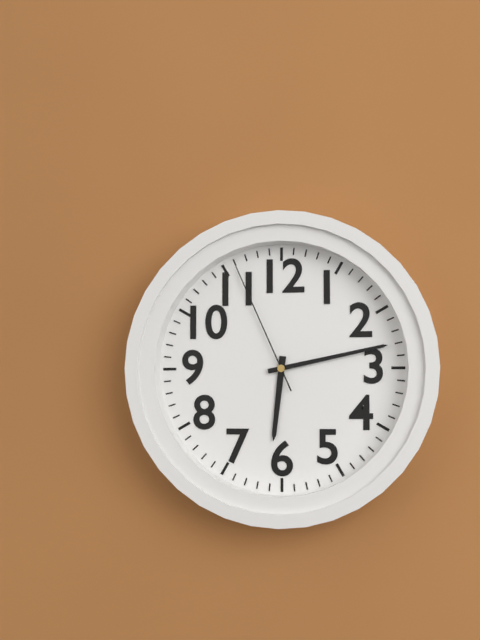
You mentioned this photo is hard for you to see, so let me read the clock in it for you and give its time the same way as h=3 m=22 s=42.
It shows h=6 m=13 s=56
